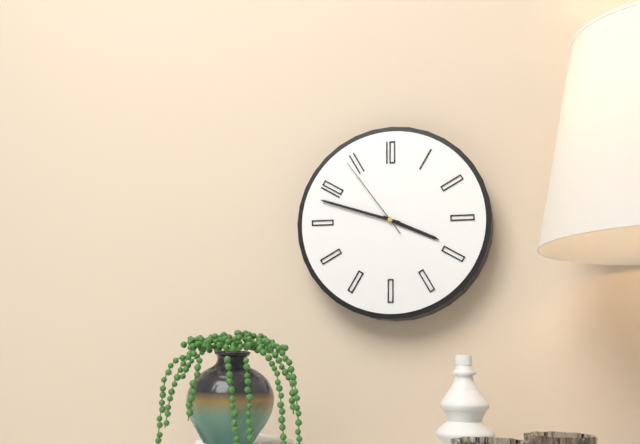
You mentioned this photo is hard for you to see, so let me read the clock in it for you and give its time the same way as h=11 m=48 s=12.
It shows h=3 m=48 s=54
